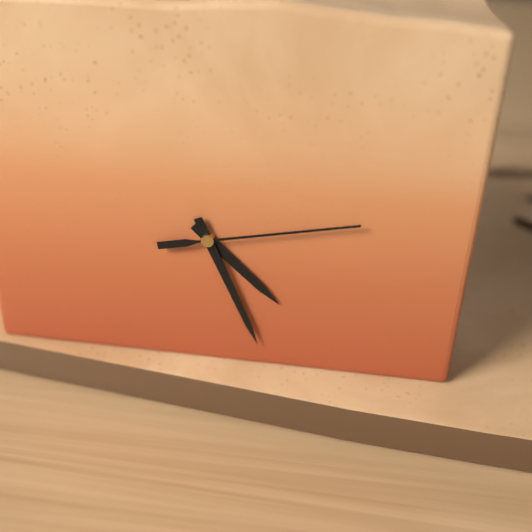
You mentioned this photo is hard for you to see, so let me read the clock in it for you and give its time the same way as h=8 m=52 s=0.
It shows h=4 m=26 s=13
